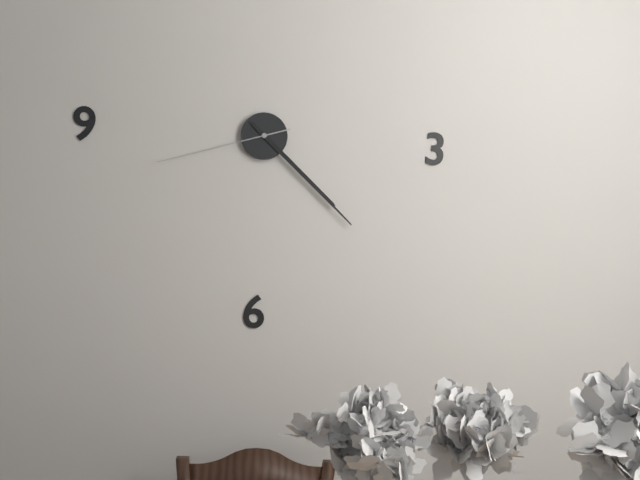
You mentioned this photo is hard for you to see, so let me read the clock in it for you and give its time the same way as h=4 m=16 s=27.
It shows h=4 m=22 s=42
